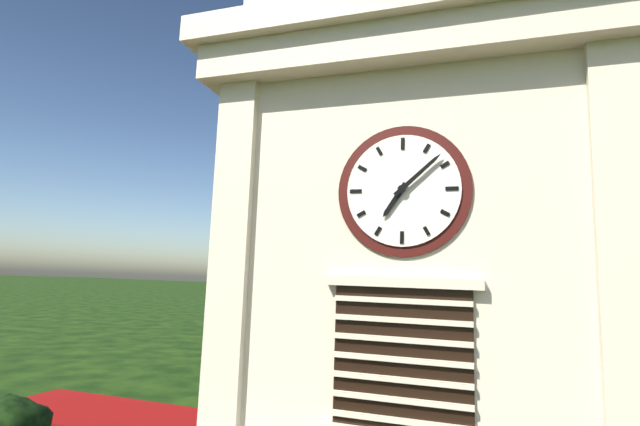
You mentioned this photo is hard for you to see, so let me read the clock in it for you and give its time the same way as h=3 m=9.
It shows h=7 m=8
